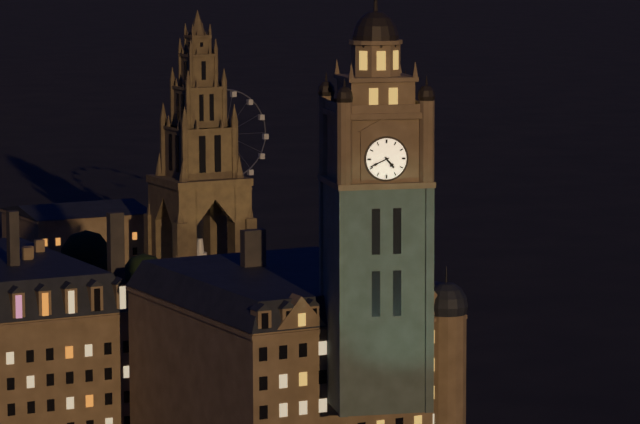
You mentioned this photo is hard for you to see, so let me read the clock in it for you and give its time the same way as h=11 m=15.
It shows h=4 m=41
